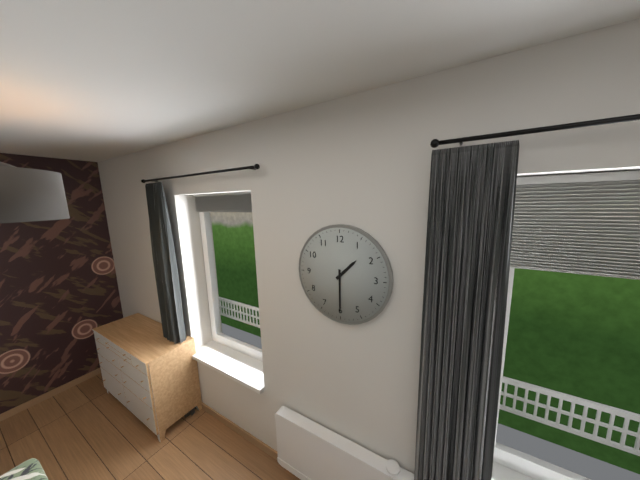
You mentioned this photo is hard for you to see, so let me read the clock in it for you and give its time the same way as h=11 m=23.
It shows h=1 m=30
